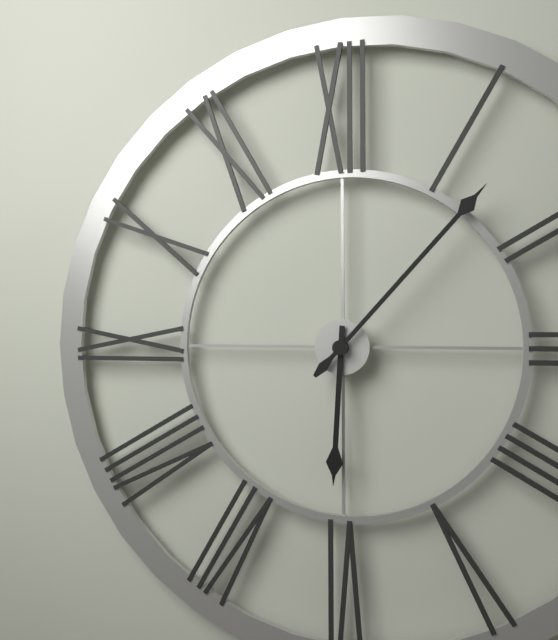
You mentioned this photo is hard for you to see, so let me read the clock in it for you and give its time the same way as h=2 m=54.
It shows h=6 m=7
